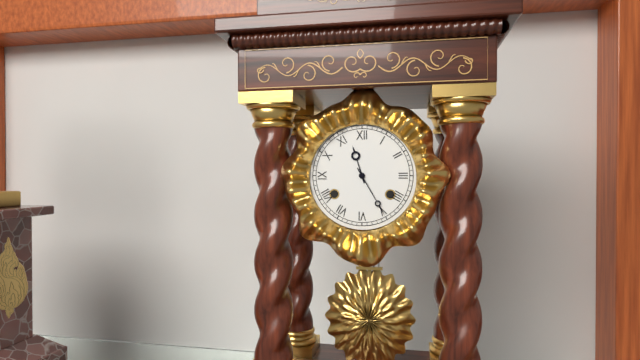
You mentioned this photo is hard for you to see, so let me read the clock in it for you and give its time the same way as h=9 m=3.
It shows h=11 m=25
